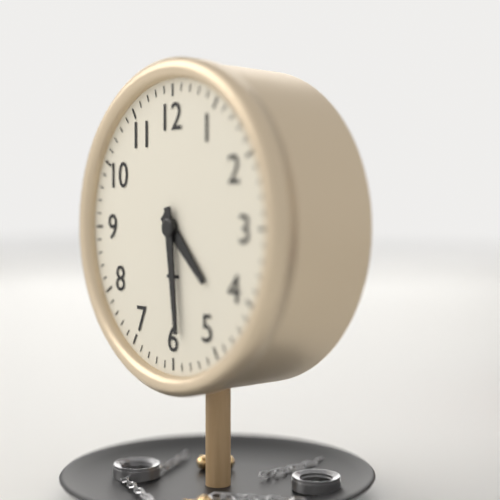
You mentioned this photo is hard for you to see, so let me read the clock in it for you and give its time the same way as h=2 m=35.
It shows h=4 m=29
